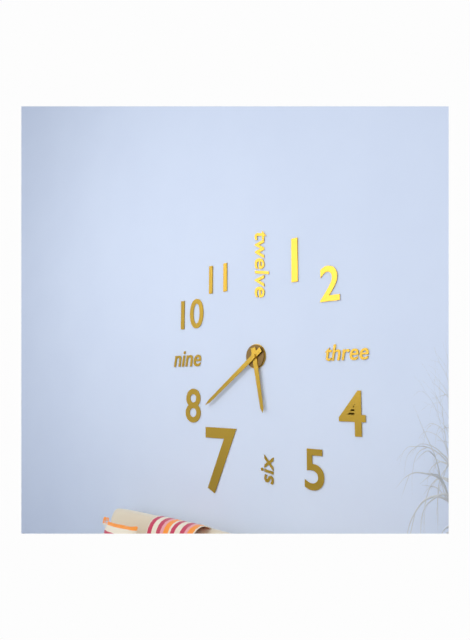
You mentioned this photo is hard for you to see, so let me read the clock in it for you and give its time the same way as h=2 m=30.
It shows h=5 m=39
